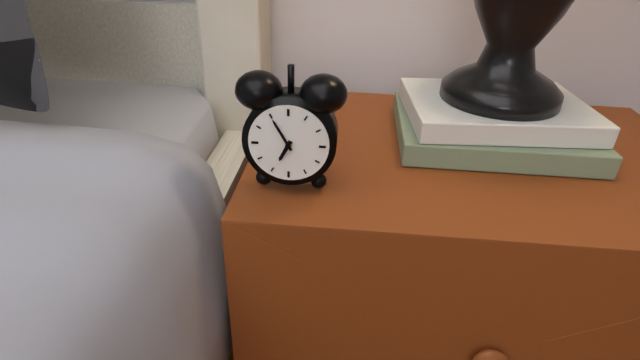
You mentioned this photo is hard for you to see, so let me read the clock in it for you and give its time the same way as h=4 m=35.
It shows h=6 m=55
